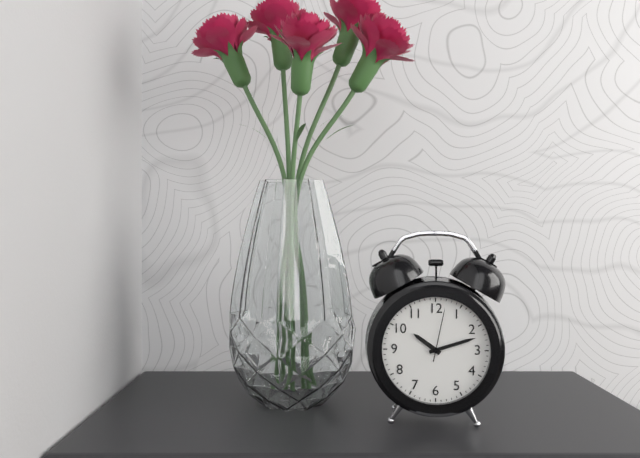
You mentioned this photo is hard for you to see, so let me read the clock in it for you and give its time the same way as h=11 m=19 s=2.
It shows h=10 m=12 s=2
